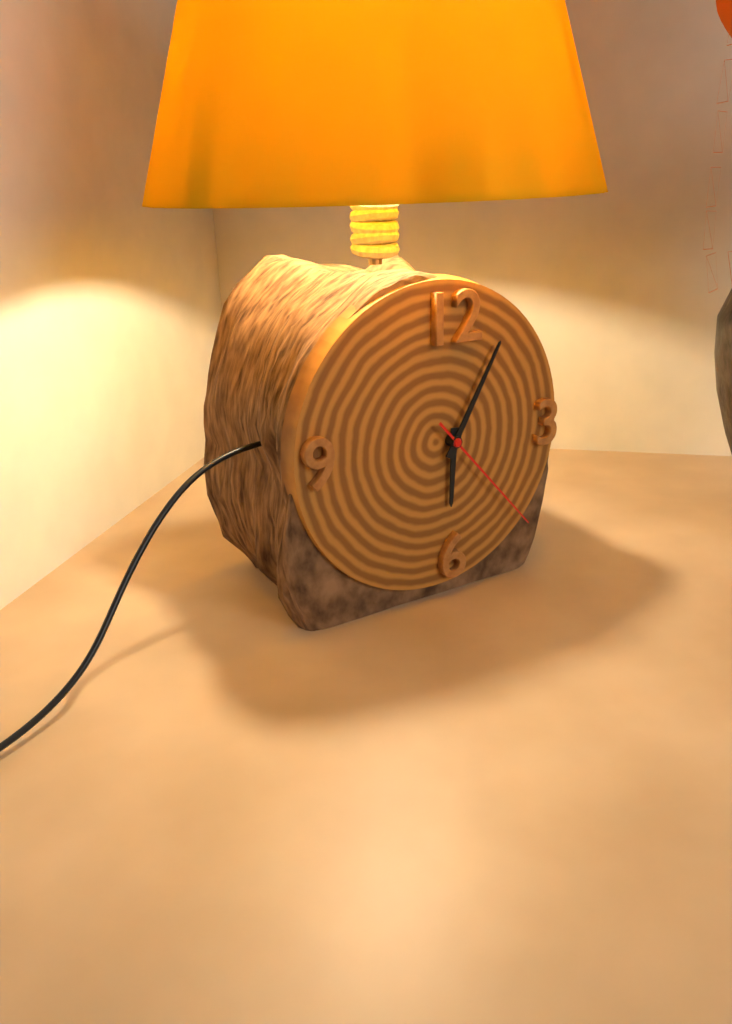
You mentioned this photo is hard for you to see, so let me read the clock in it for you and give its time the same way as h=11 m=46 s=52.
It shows h=6 m=5 s=23
